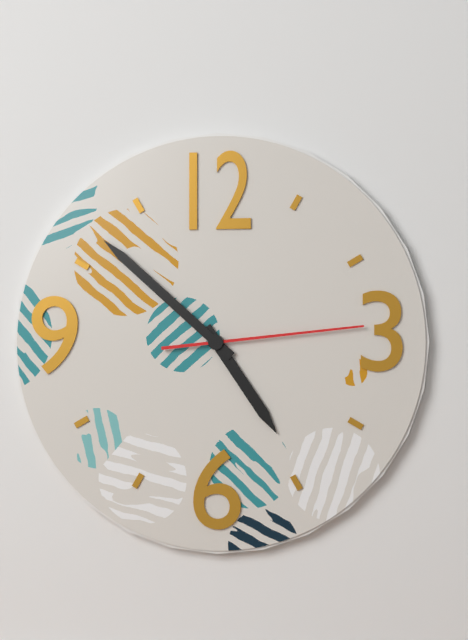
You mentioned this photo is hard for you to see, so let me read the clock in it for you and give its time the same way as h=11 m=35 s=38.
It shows h=4 m=52 s=14
